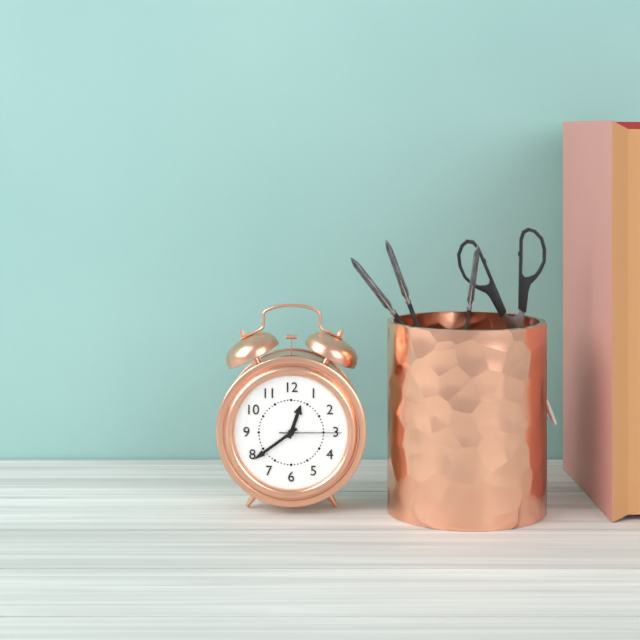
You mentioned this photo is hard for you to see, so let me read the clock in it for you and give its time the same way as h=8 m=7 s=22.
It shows h=12 m=39 s=15
